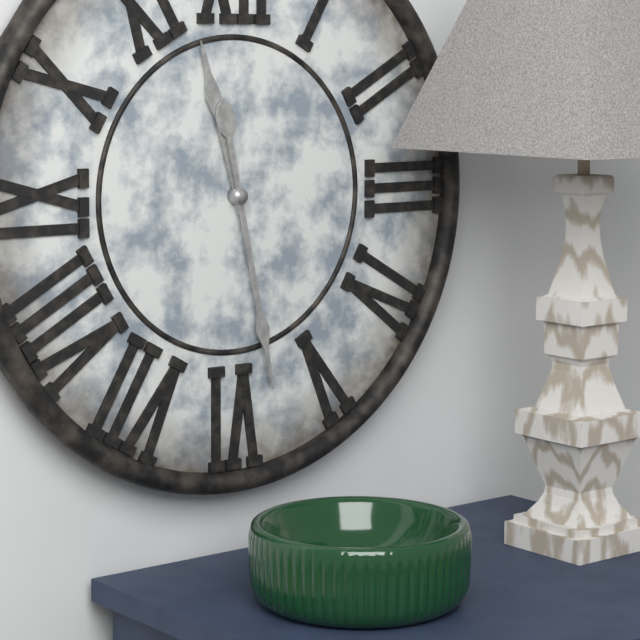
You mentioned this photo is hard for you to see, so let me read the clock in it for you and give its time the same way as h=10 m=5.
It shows h=11 m=28
